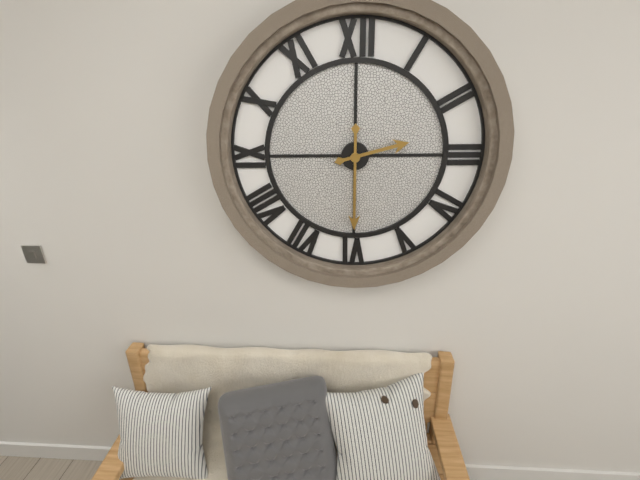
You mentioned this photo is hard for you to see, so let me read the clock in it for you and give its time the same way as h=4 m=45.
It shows h=2 m=30
